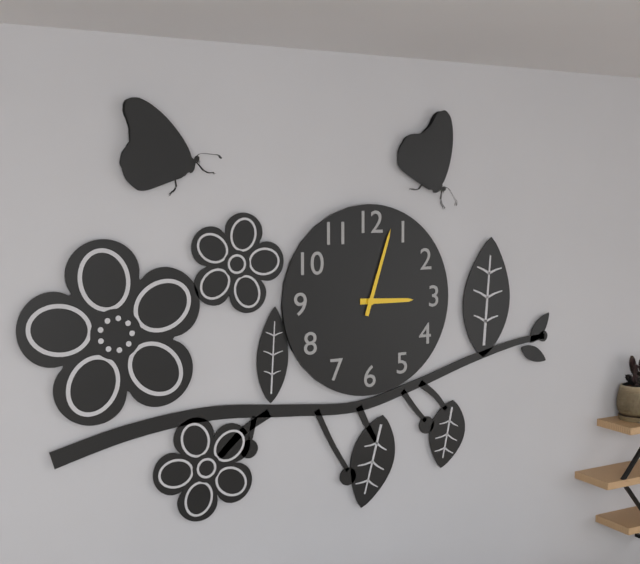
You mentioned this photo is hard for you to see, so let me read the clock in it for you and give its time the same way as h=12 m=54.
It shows h=3 m=3
